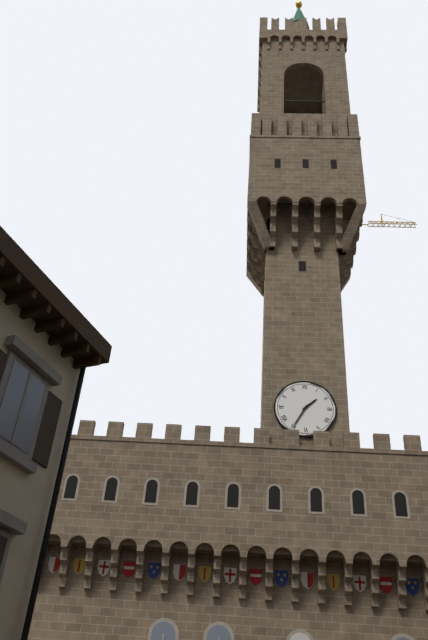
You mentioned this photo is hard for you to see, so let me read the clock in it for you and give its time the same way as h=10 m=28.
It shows h=1 m=35
